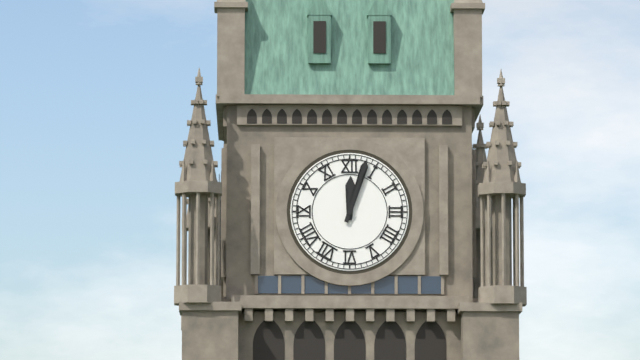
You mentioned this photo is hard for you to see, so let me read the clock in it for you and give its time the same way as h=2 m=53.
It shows h=12 m=3
